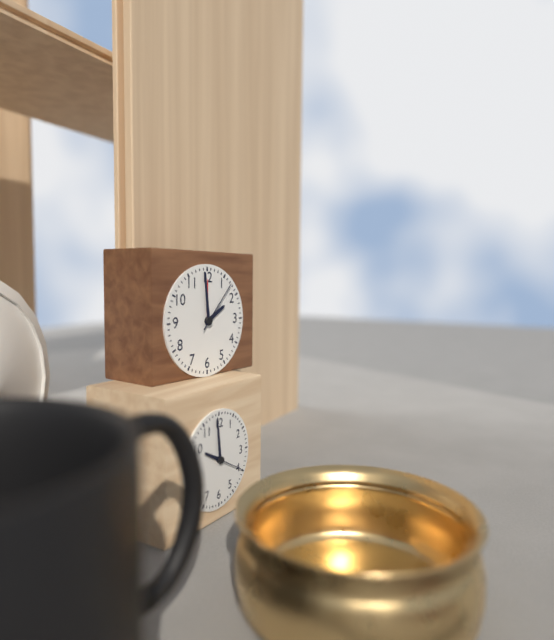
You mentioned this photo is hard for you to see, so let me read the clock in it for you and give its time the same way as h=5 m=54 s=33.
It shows h=1 m=59 s=7
